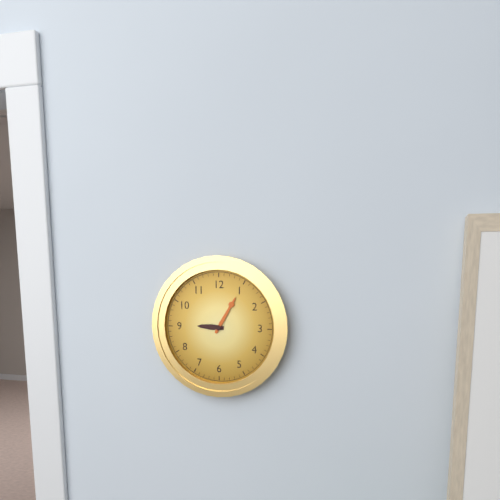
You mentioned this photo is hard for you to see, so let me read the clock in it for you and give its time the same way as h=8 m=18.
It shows h=9 m=5
